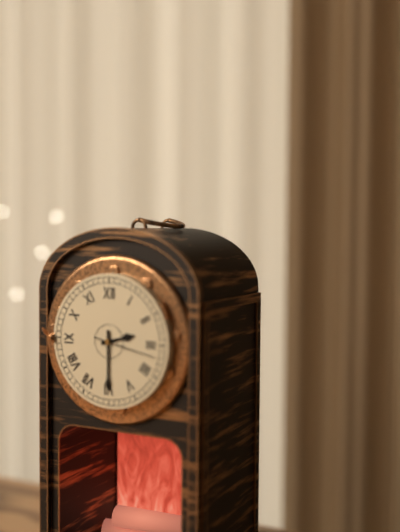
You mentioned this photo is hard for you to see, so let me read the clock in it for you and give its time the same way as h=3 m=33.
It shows h=2 m=30
